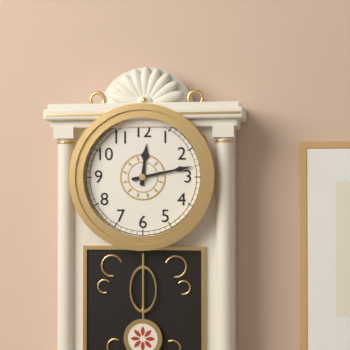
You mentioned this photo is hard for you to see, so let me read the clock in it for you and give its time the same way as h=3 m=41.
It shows h=12 m=13
